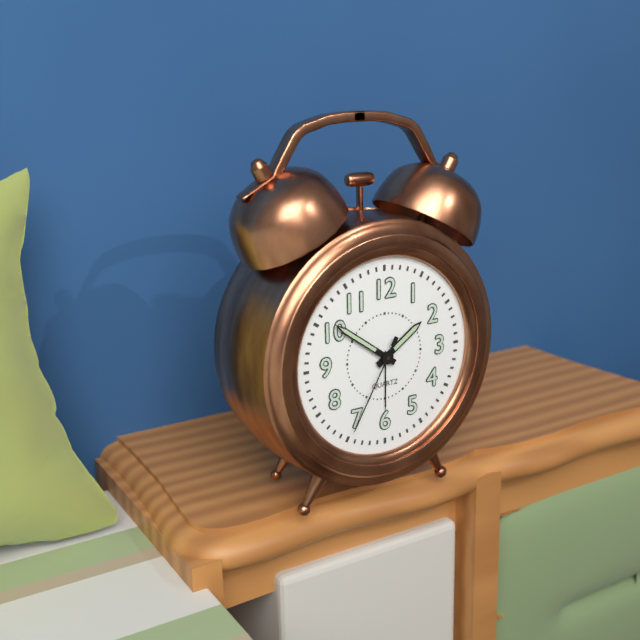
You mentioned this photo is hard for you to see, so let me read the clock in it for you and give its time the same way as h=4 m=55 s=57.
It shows h=1 m=51 s=35
